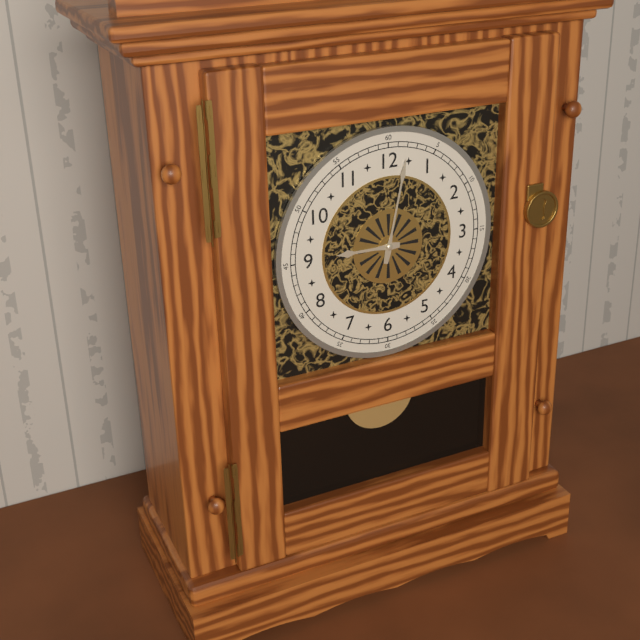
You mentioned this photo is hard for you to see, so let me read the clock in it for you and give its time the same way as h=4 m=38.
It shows h=9 m=2
